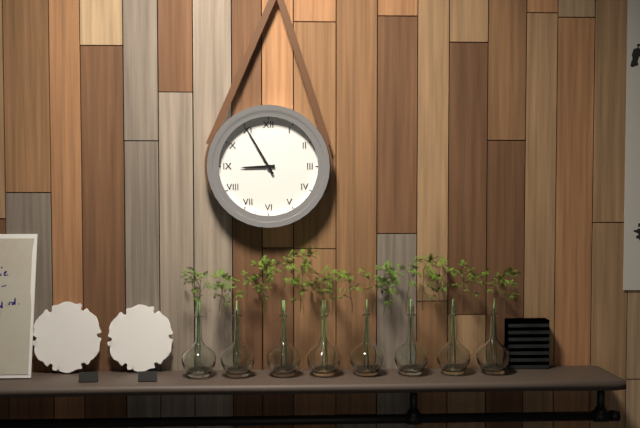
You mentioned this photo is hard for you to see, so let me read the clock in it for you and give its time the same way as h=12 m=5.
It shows h=8 m=55
